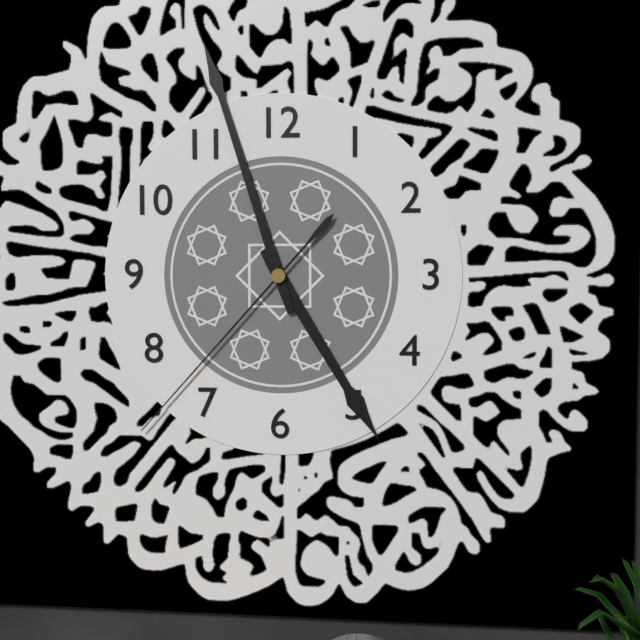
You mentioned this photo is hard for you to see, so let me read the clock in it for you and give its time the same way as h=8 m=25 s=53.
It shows h=4 m=57 s=37
